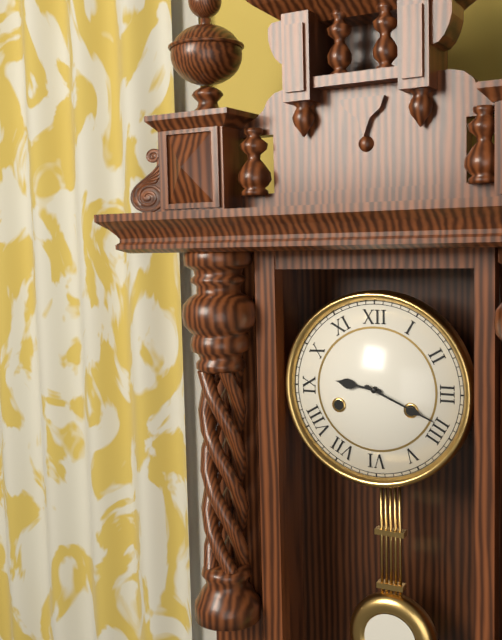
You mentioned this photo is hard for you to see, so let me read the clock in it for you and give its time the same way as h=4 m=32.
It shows h=9 m=19
